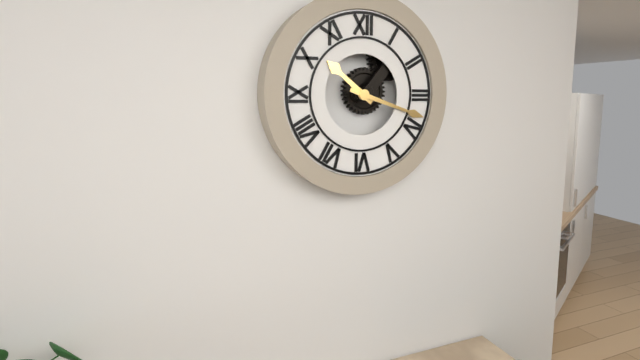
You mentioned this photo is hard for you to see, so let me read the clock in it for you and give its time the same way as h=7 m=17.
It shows h=10 m=18
